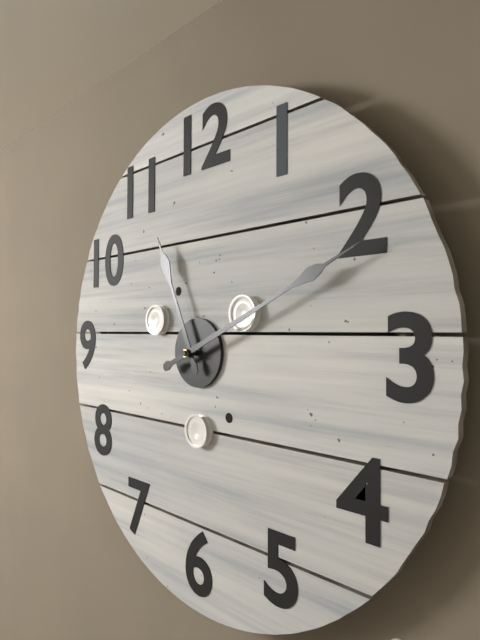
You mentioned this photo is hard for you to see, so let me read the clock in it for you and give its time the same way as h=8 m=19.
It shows h=11 m=11
